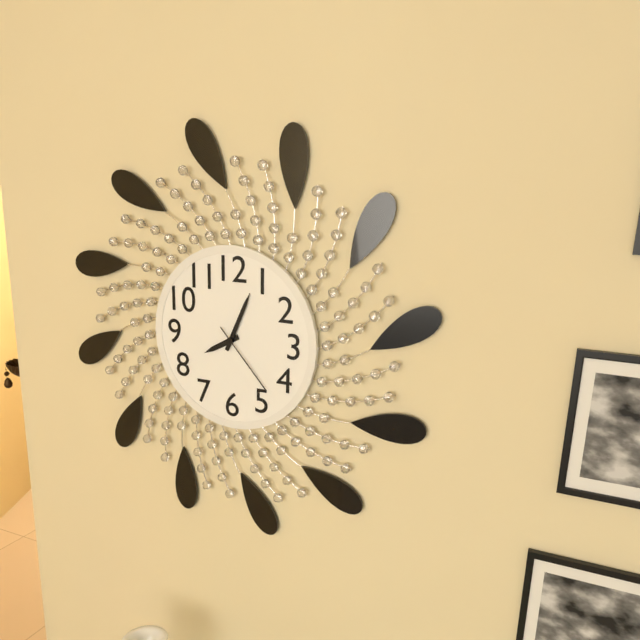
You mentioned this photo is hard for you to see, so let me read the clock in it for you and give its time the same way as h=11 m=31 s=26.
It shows h=8 m=4 s=23
